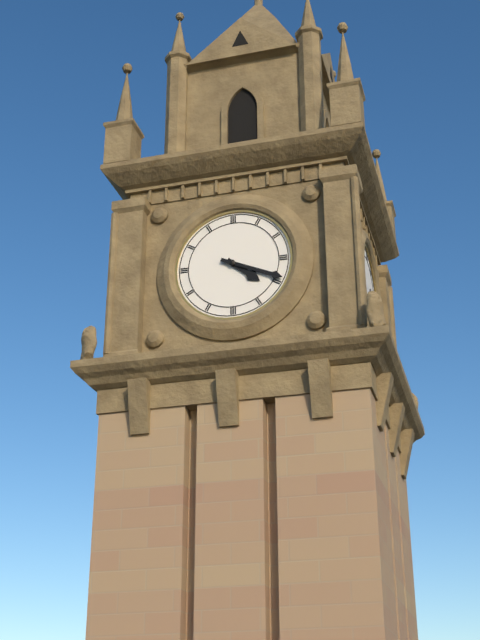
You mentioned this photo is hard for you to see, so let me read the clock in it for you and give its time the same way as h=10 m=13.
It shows h=4 m=19
